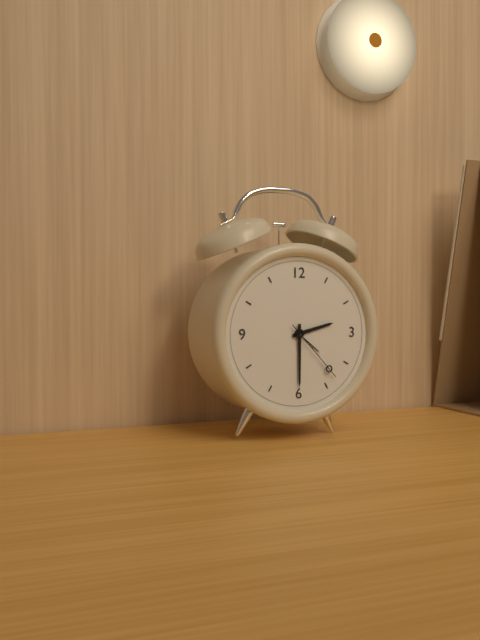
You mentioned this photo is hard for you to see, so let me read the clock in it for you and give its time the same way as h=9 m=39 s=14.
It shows h=2 m=30 s=23
